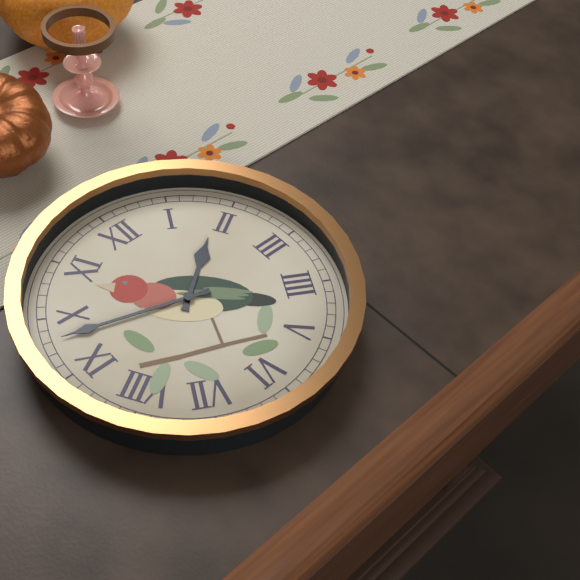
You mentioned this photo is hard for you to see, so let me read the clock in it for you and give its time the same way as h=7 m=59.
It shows h=1 m=48
